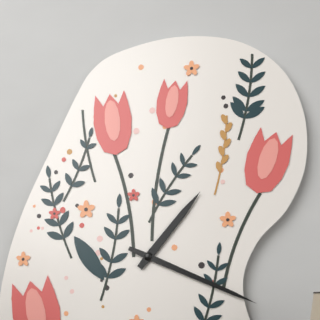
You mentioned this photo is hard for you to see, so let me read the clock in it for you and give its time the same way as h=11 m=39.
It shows h=1 m=19
